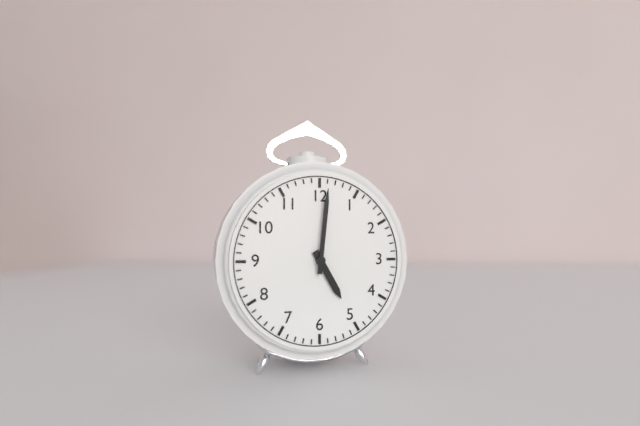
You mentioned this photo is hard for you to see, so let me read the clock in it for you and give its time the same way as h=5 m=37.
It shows h=5 m=1
